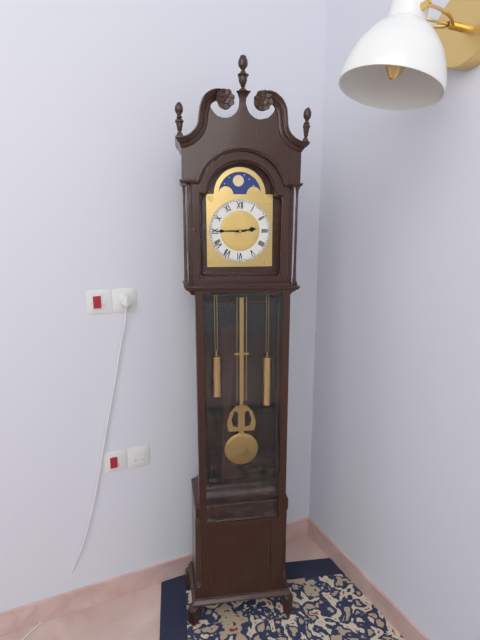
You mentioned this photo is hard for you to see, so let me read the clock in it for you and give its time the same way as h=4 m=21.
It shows h=2 m=45
